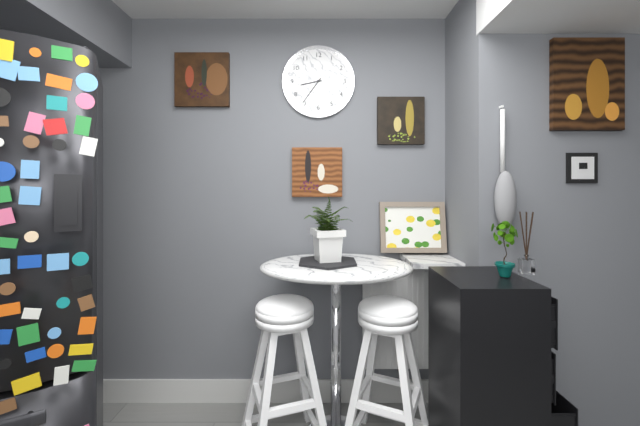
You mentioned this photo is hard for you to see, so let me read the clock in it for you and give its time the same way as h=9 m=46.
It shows h=8 m=36
